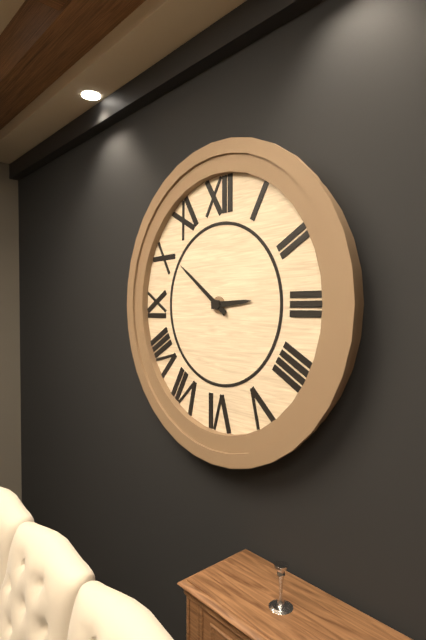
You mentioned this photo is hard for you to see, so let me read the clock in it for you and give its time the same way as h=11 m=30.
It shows h=2 m=51
